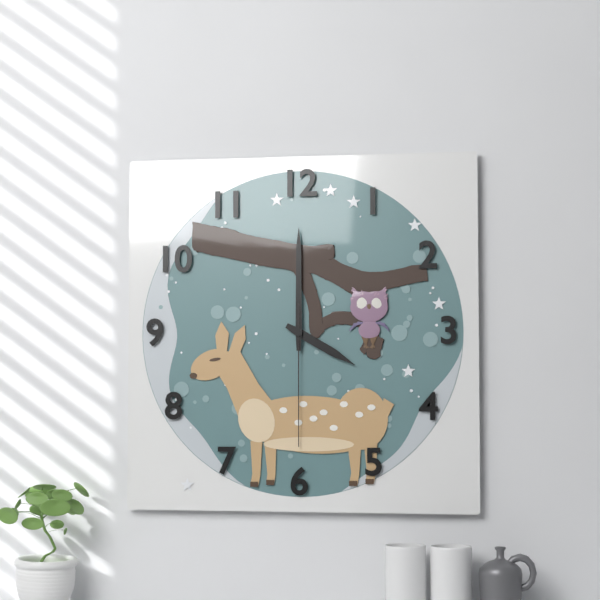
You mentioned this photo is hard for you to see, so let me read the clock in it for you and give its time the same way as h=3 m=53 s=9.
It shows h=4 m=0 s=30
